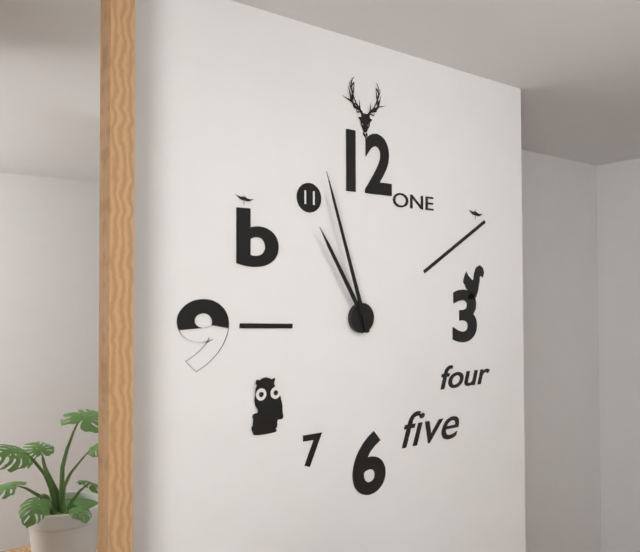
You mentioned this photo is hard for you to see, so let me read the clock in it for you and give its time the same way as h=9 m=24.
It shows h=10 m=57
